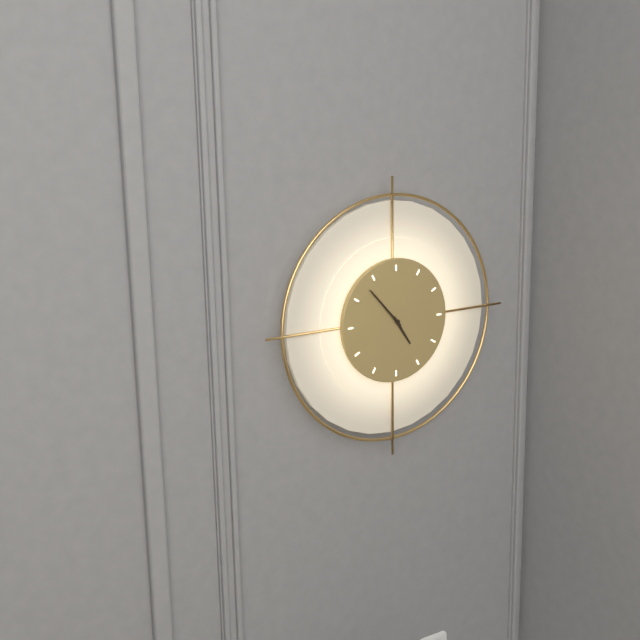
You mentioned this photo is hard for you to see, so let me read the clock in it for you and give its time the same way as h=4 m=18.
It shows h=4 m=53
